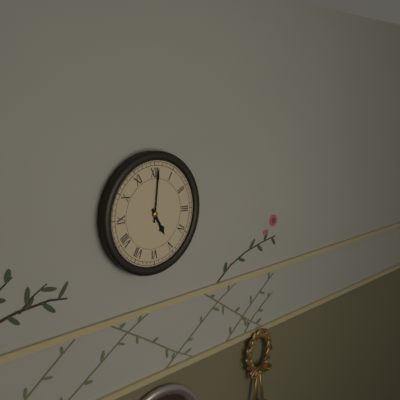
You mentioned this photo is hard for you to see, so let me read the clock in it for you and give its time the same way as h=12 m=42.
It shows h=5 m=1
